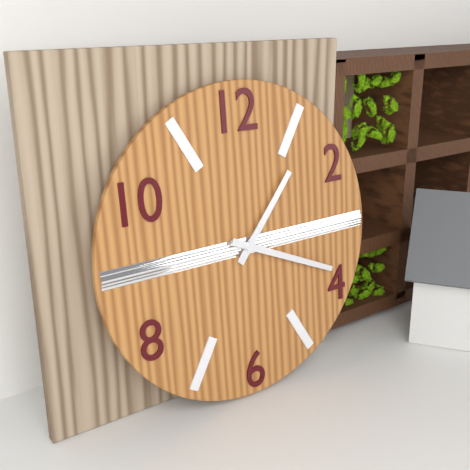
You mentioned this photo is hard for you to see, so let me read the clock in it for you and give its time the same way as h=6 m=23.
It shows h=1 m=19
